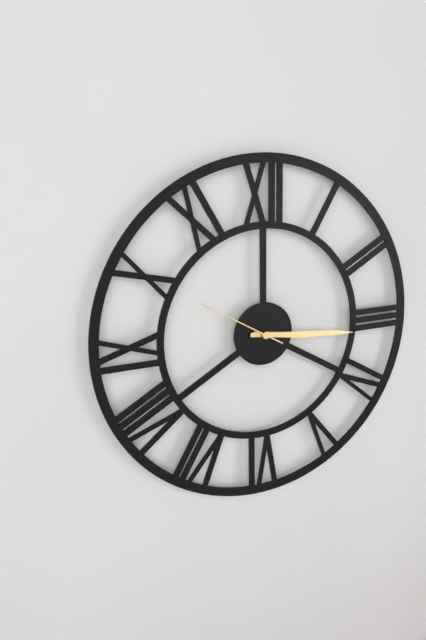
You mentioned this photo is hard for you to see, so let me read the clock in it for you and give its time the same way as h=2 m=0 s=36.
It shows h=3 m=16 s=50
